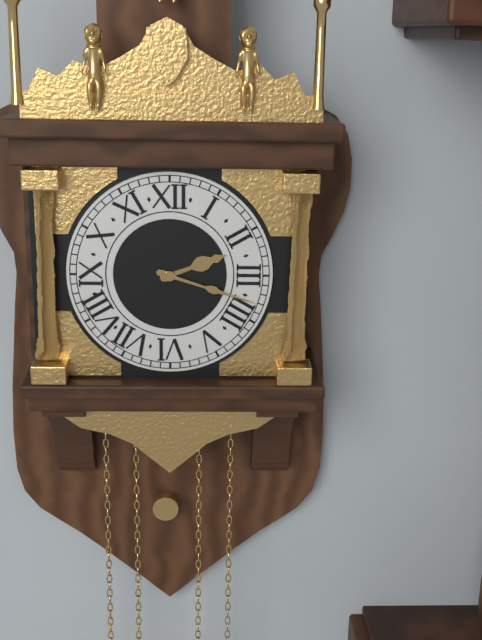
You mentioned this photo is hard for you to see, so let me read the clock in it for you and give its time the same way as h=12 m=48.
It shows h=2 m=18
